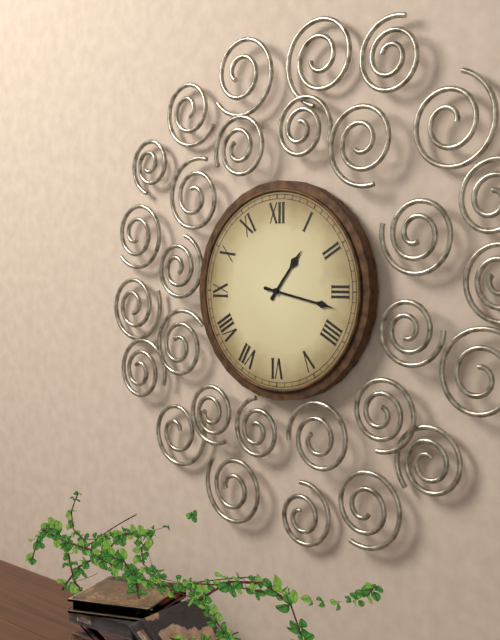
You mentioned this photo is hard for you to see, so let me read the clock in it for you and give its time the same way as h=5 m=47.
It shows h=1 m=17
